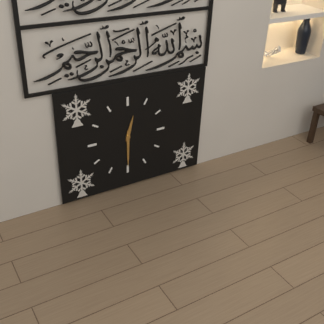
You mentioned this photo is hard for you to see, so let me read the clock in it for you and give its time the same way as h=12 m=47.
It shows h=12 m=30
